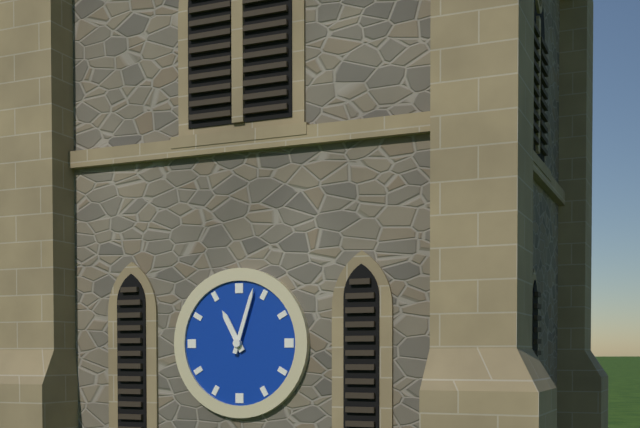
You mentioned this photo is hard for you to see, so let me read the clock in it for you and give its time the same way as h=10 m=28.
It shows h=11 m=3
